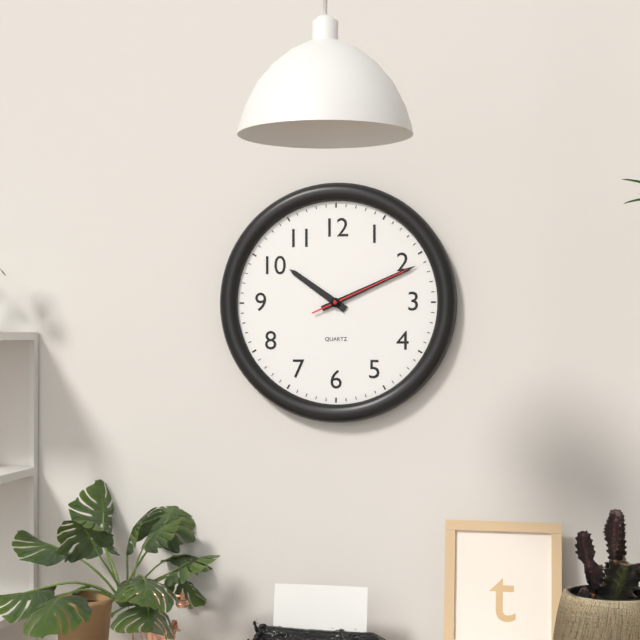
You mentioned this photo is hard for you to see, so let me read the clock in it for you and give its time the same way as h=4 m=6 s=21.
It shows h=10 m=11 s=11
